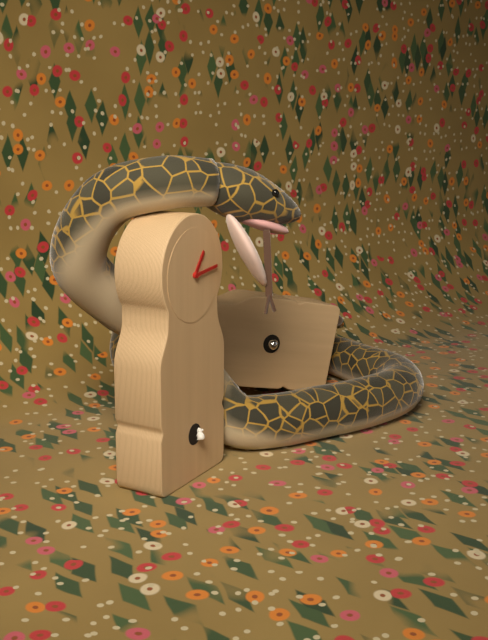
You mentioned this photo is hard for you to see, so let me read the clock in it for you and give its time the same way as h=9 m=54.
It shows h=1 m=14
